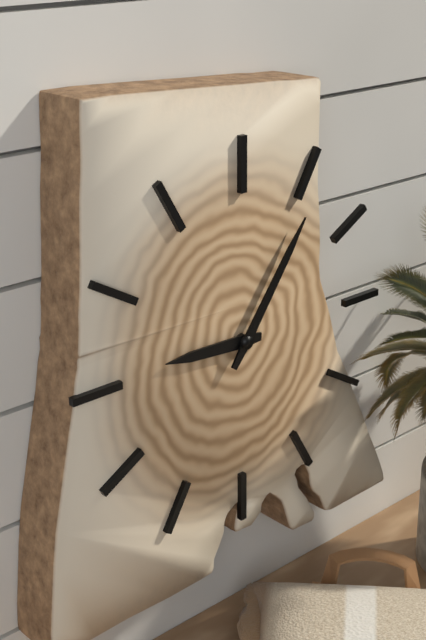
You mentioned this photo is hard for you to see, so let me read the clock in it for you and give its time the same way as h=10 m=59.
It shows h=9 m=6
